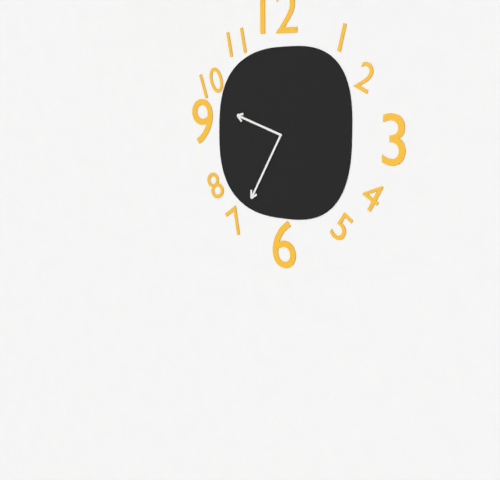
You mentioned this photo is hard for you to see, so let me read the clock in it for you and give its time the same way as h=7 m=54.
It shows h=9 m=35
